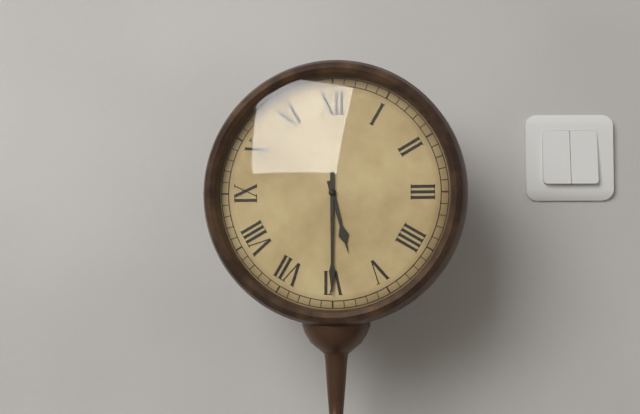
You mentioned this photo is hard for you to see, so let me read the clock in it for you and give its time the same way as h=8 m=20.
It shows h=5 m=30
